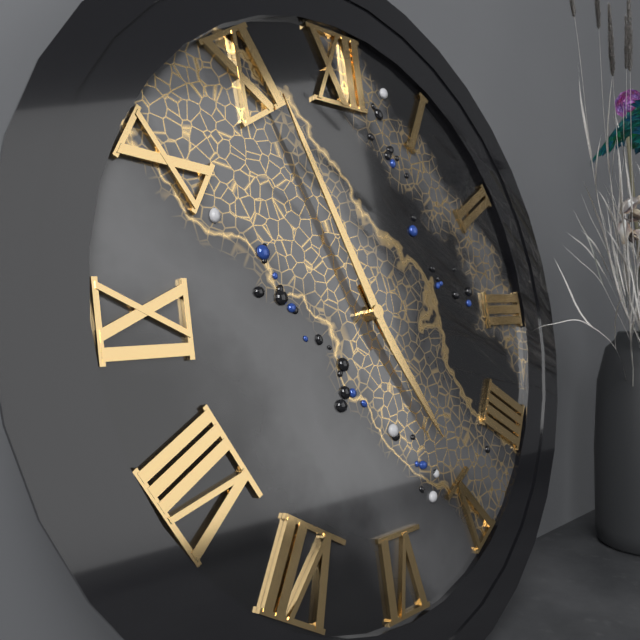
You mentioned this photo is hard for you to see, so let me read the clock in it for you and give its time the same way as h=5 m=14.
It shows h=4 m=56
